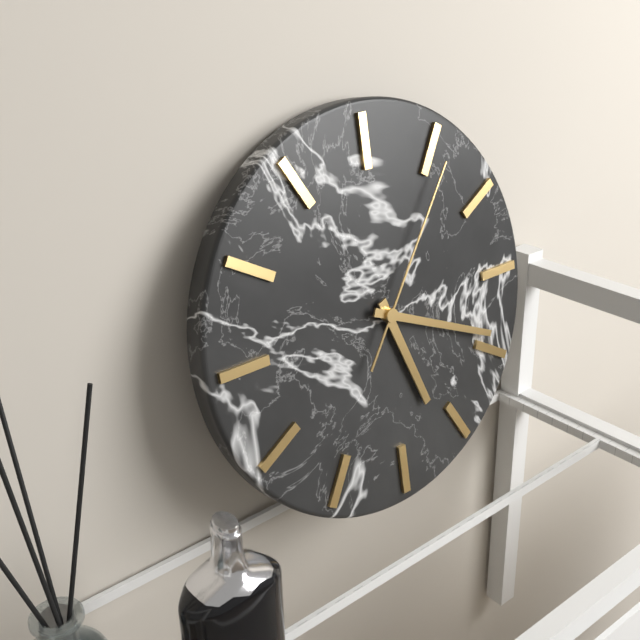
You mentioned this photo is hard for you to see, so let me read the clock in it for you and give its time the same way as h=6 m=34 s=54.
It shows h=5 m=19 s=6
